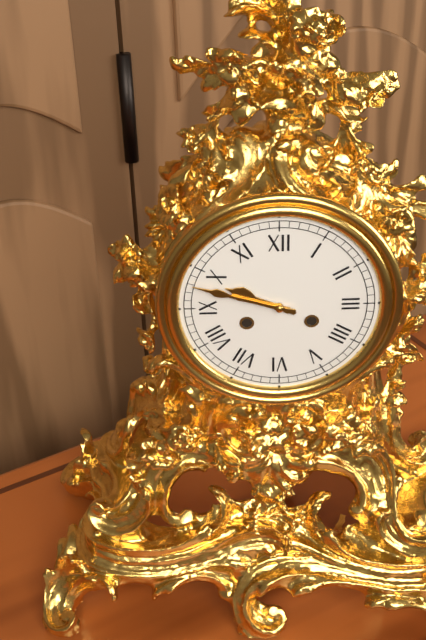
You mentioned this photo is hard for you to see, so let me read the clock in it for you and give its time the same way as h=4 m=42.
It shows h=9 m=48
